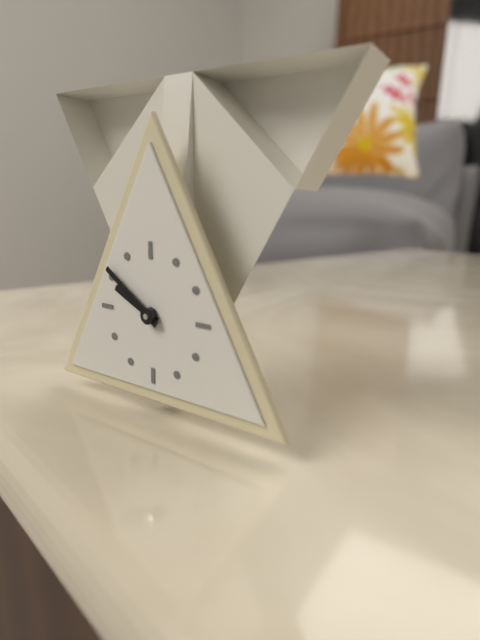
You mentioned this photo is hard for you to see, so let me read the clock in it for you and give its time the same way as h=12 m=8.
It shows h=9 m=51
